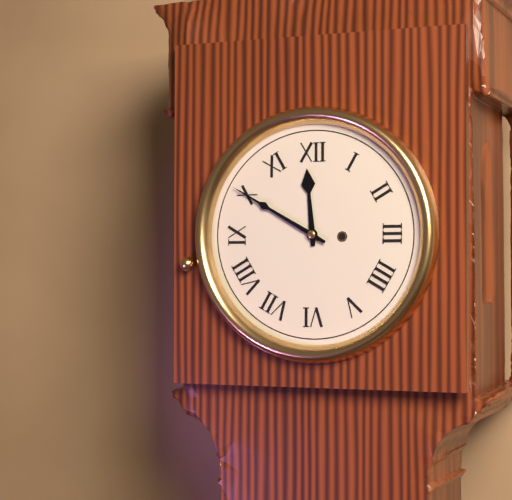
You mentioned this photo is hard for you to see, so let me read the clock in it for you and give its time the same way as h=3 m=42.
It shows h=11 m=50
